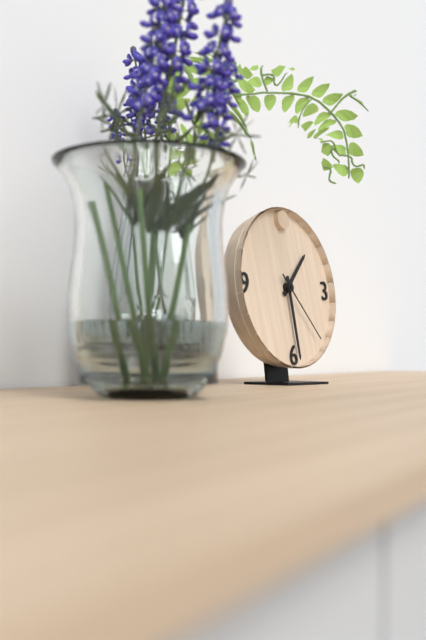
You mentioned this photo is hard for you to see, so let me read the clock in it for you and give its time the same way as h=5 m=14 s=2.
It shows h=1 m=29 s=23
